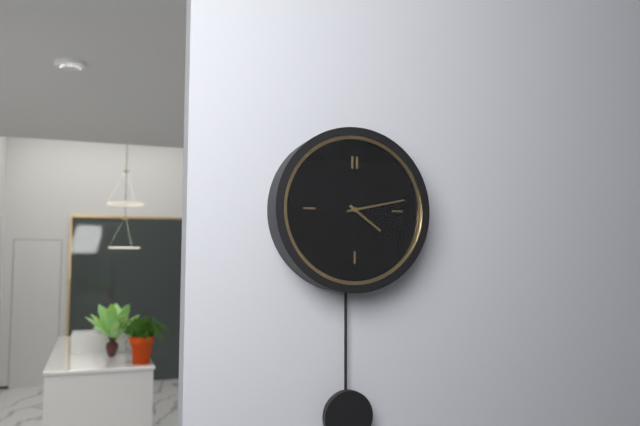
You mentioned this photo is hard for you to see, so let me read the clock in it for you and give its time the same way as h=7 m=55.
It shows h=4 m=13
